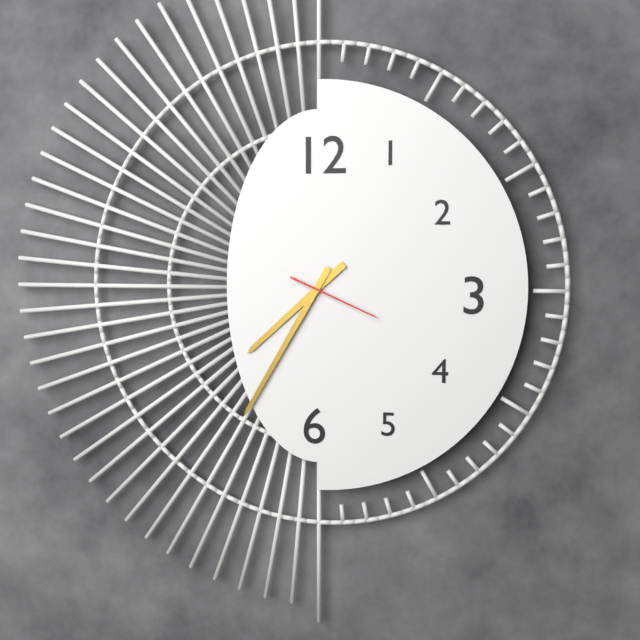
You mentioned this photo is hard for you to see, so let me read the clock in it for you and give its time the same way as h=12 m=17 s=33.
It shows h=7 m=35 s=19
